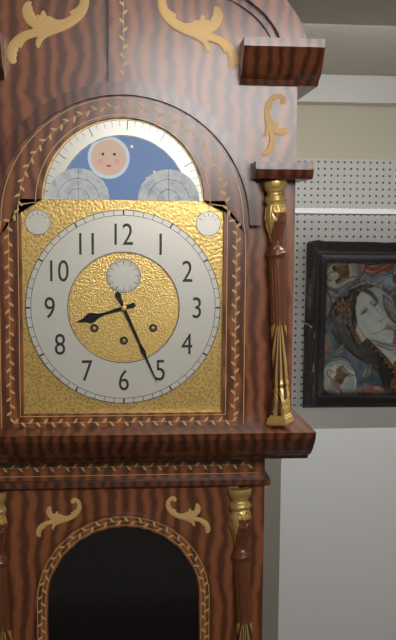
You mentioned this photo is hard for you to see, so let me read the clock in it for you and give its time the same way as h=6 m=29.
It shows h=8 m=26
